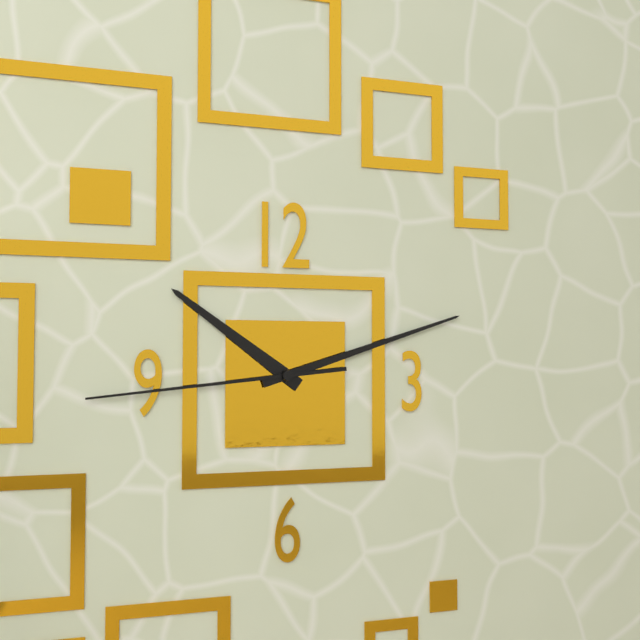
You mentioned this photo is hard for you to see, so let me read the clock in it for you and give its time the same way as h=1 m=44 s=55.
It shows h=10 m=12 s=44
